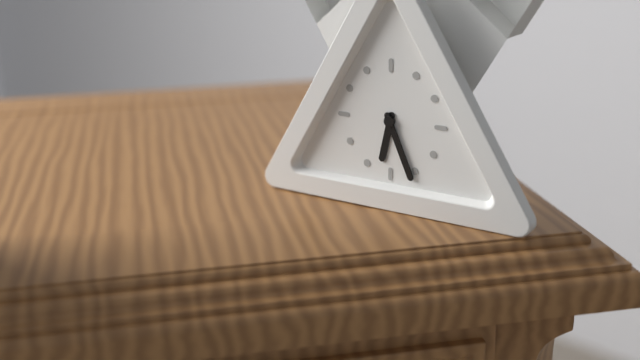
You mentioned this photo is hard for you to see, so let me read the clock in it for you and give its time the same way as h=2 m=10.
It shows h=6 m=26
